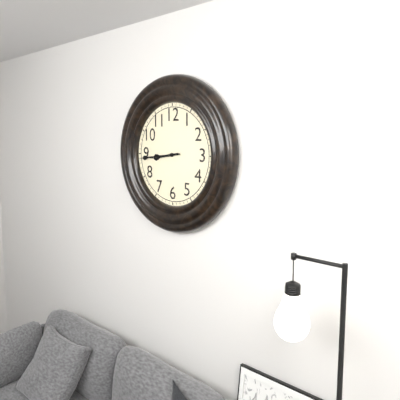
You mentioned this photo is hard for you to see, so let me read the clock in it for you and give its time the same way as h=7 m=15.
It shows h=8 m=44
